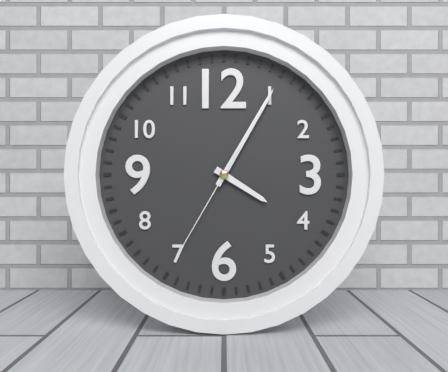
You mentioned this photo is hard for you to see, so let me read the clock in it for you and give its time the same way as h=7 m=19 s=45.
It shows h=4 m=5 s=35
